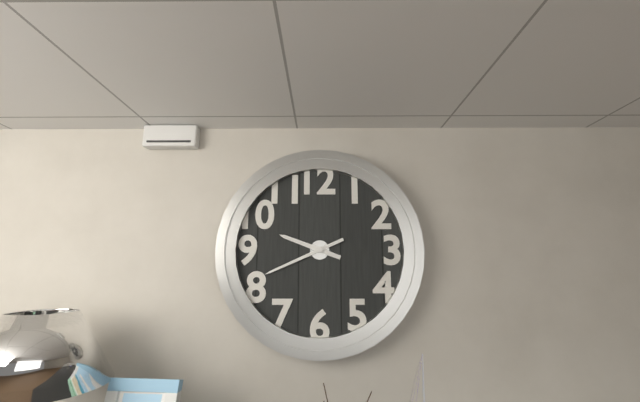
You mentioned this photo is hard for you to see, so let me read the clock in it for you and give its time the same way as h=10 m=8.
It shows h=9 m=41
